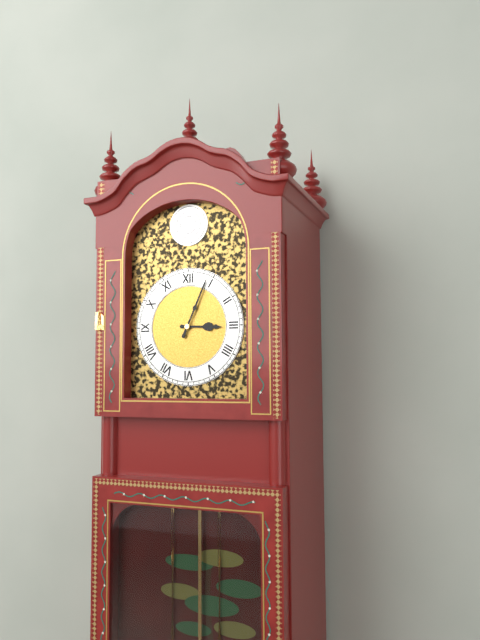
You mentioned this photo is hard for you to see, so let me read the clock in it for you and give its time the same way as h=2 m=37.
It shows h=3 m=4
